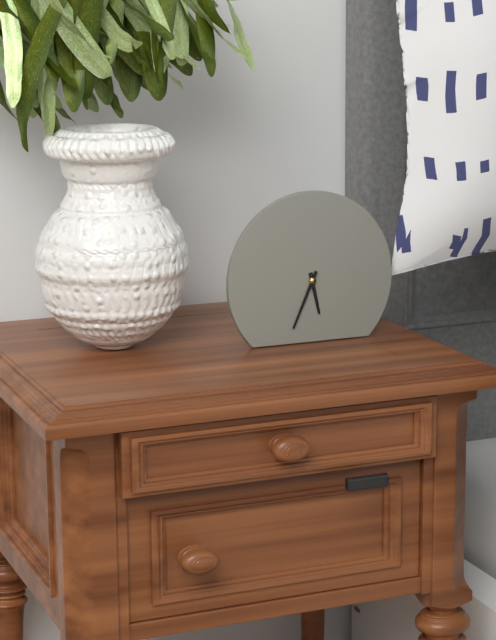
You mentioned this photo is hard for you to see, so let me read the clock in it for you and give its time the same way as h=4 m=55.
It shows h=5 m=34
